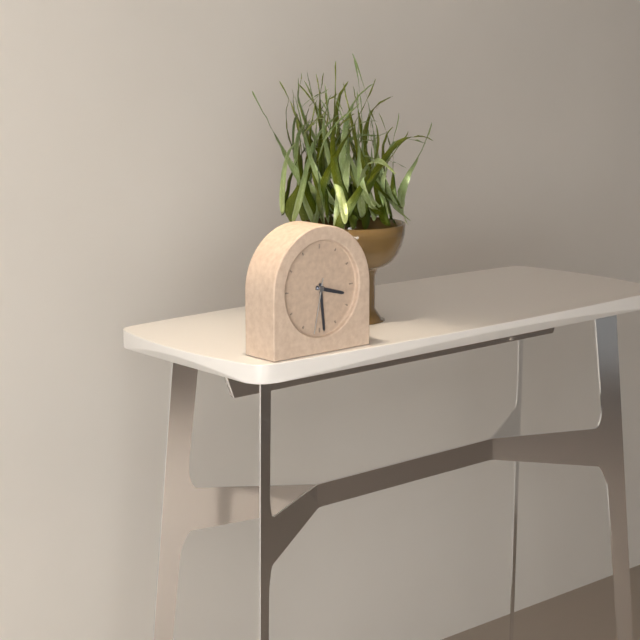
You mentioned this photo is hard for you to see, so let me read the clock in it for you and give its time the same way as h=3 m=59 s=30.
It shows h=3 m=29 s=32
